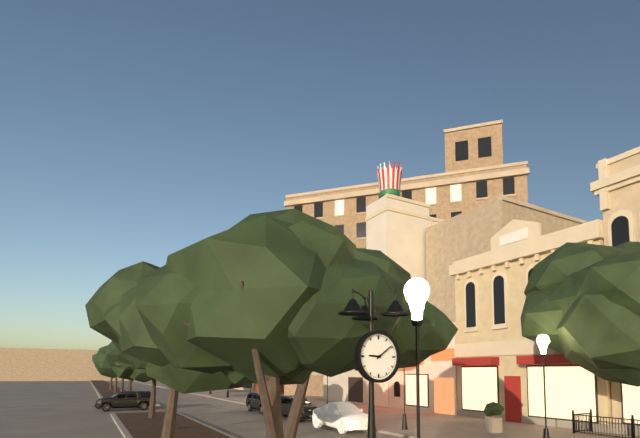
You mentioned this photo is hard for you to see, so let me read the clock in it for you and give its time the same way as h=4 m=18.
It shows h=9 m=9
